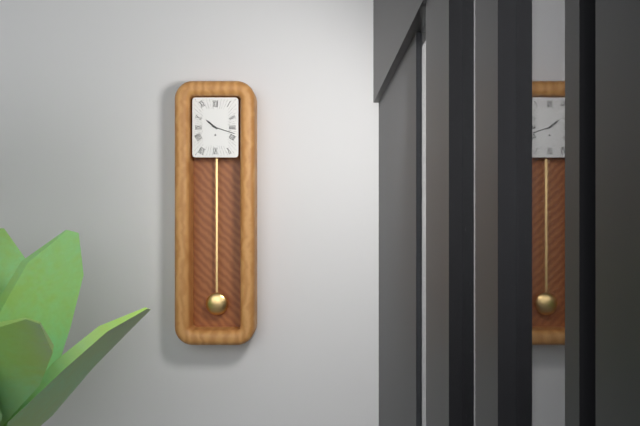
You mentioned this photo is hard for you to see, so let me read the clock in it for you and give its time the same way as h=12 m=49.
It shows h=10 m=18
